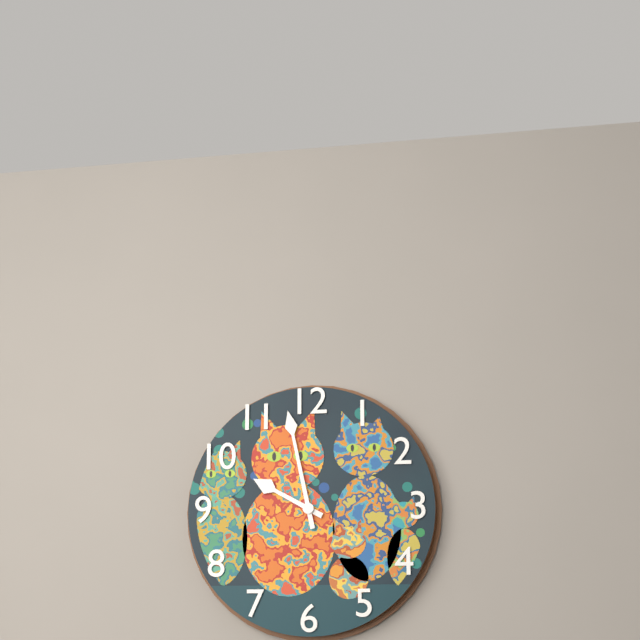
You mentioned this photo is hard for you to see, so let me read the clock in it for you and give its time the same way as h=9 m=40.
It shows h=9 m=58
